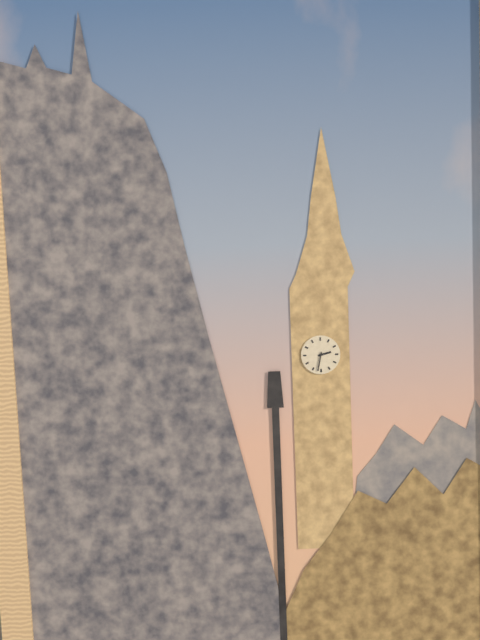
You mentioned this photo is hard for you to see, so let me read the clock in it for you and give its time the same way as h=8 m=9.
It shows h=2 m=32
